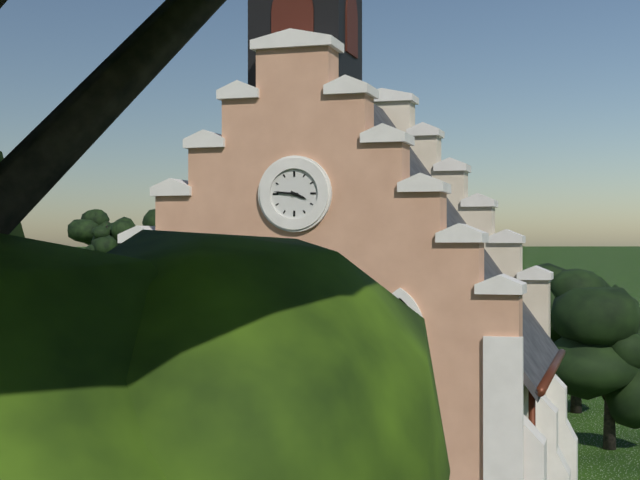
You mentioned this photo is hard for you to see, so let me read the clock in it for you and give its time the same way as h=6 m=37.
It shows h=3 m=46
